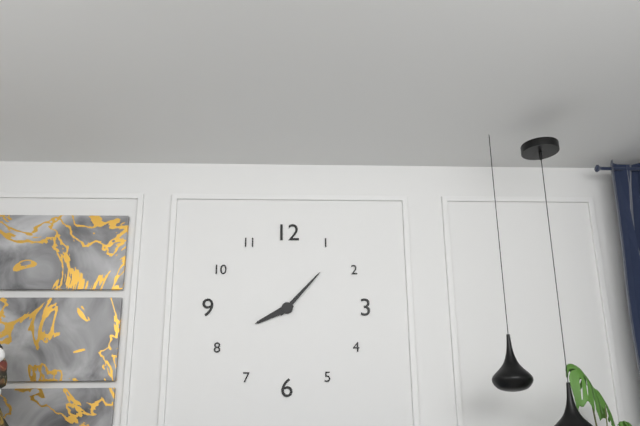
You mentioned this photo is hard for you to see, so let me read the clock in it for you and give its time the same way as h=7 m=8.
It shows h=8 m=7
